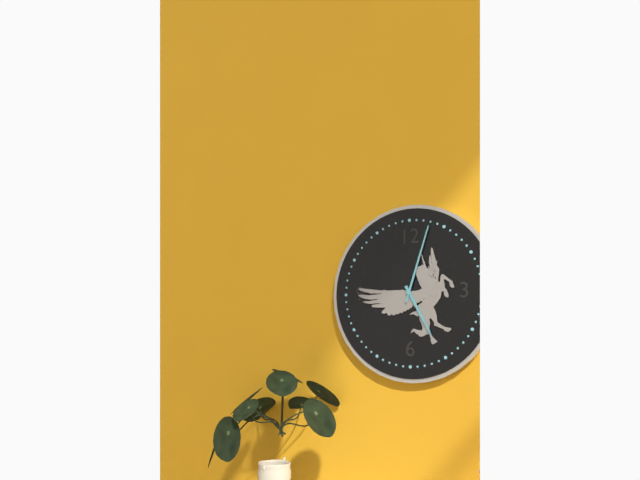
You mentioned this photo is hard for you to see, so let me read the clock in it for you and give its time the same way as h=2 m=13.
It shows h=5 m=3
